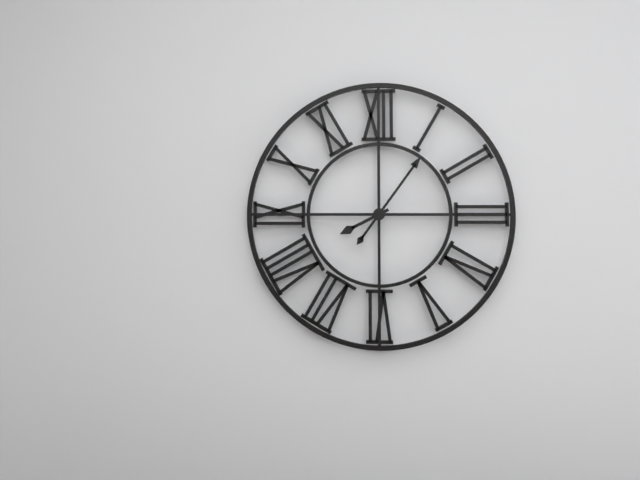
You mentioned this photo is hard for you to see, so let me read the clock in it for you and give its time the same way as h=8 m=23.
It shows h=8 m=6
